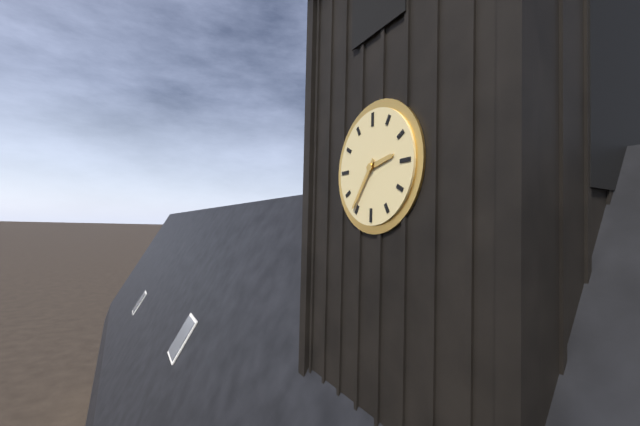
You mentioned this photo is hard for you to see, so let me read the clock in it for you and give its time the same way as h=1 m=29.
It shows h=2 m=36
